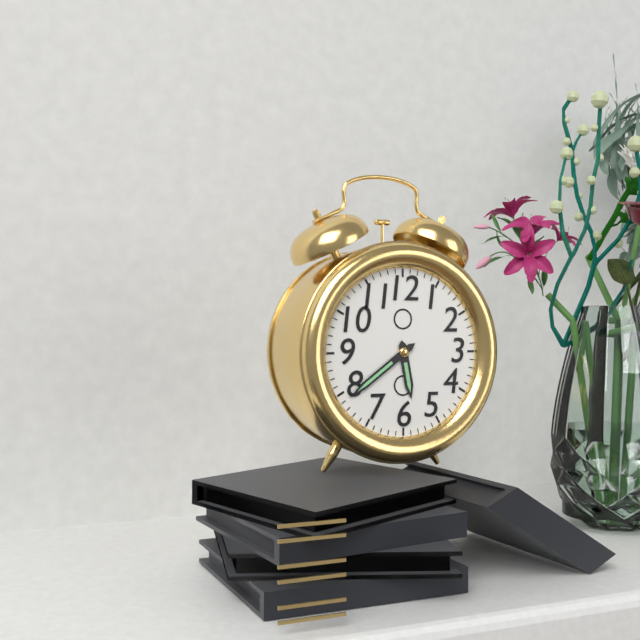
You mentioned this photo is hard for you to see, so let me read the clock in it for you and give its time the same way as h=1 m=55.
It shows h=5 m=39
